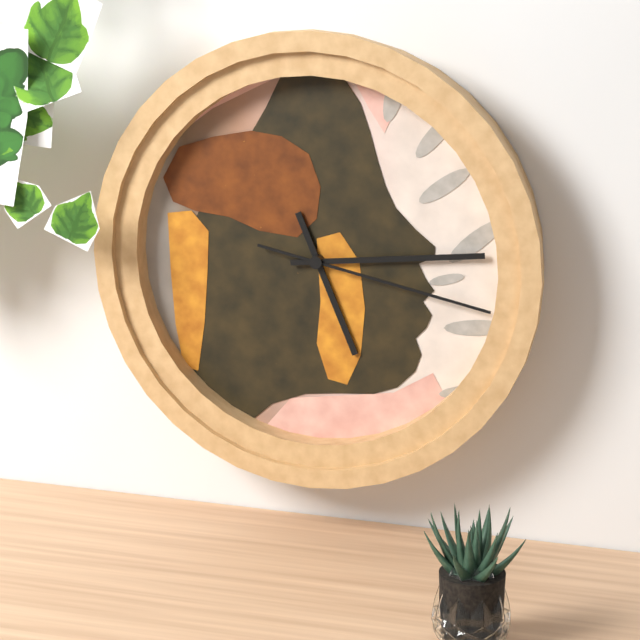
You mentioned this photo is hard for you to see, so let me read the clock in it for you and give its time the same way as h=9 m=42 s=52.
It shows h=5 m=14 s=17
